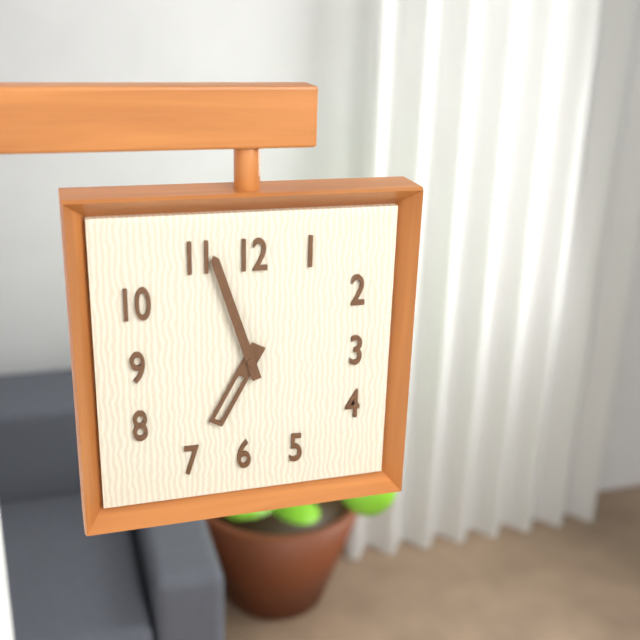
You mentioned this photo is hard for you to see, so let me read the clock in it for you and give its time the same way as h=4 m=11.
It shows h=6 m=57
